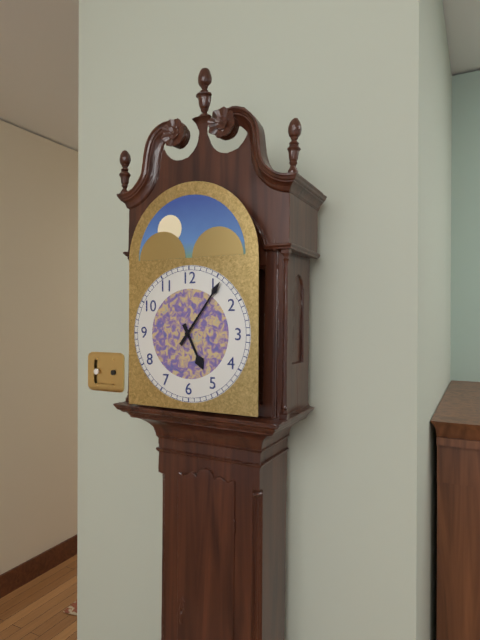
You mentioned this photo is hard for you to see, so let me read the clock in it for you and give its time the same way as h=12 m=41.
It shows h=5 m=6
